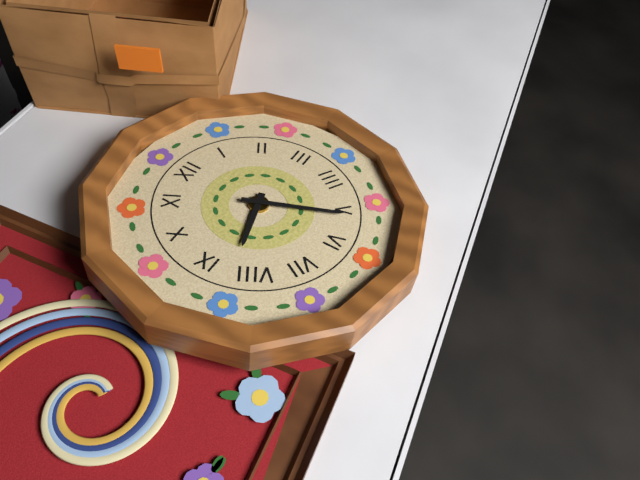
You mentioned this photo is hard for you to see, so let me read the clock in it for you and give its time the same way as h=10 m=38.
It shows h=8 m=26
